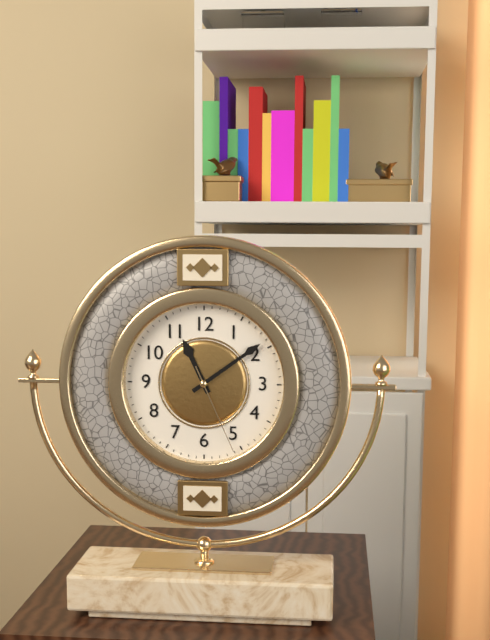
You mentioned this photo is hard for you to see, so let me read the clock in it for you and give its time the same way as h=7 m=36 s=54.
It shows h=11 m=9 s=26
